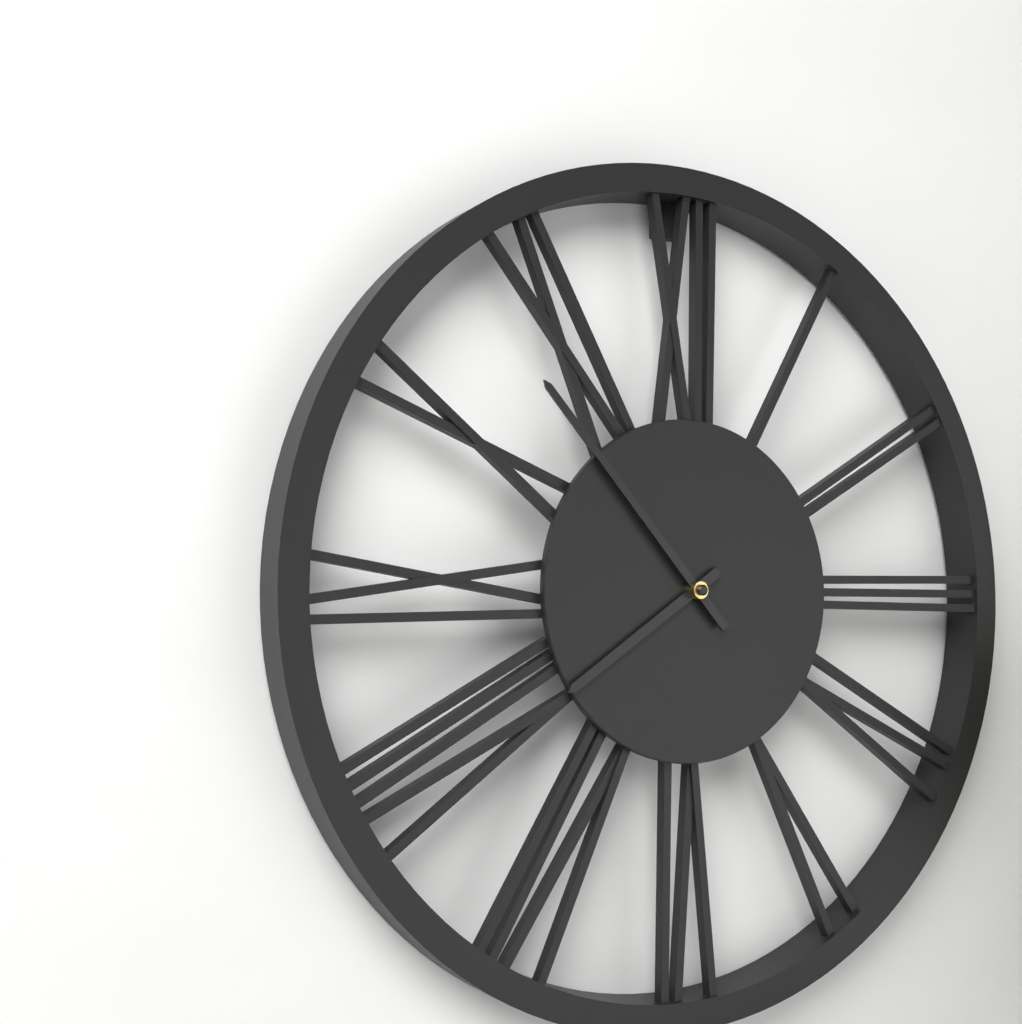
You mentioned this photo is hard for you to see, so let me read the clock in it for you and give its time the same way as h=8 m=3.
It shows h=7 m=53
